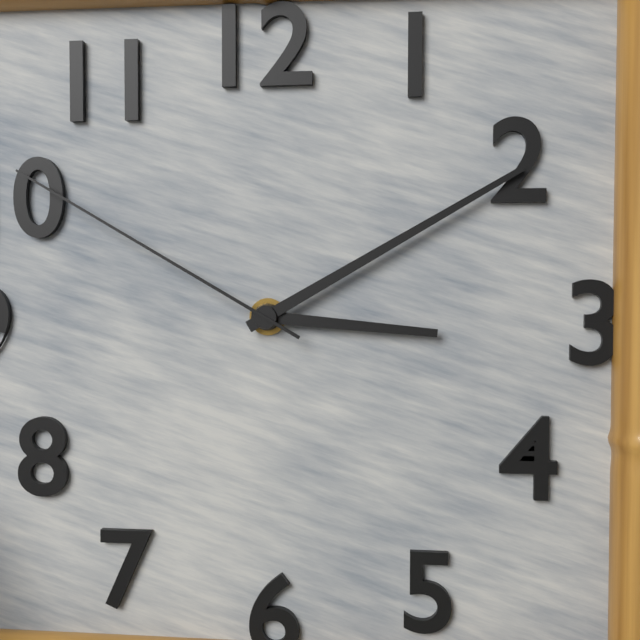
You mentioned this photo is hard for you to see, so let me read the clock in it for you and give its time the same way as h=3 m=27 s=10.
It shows h=3 m=10 s=50
